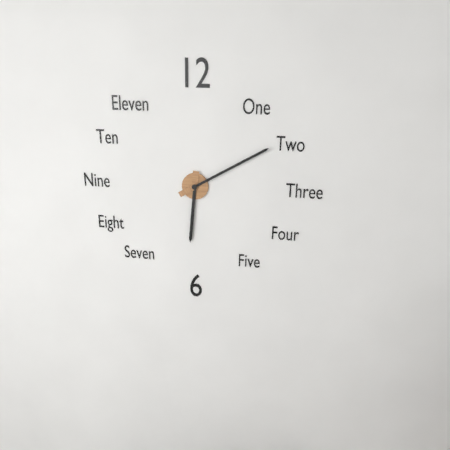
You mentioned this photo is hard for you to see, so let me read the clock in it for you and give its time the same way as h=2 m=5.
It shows h=6 m=10
